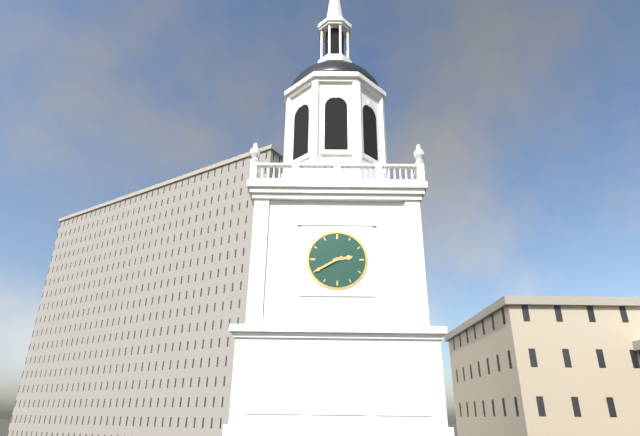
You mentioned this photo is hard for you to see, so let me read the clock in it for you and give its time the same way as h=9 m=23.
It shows h=2 m=40
